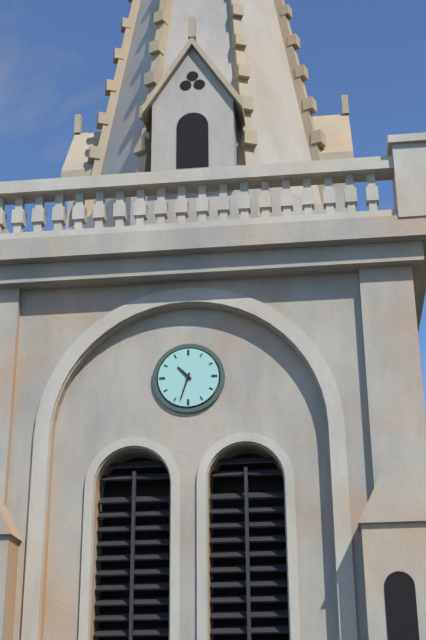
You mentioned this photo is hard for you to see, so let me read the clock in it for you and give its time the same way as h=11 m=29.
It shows h=10 m=33
